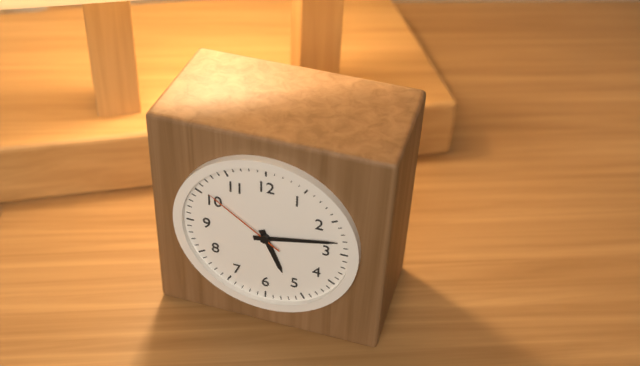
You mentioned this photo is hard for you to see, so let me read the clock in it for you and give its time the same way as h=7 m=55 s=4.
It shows h=5 m=13 s=51
